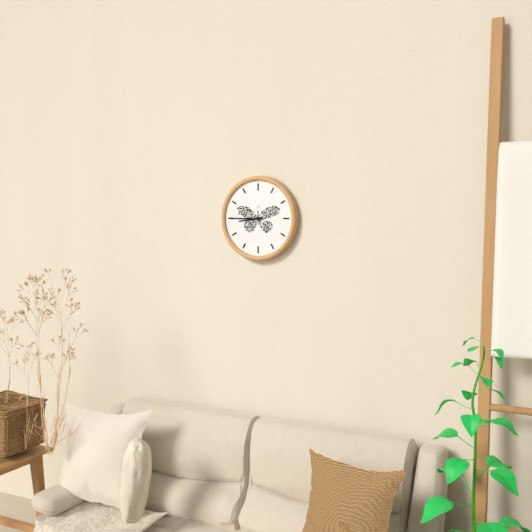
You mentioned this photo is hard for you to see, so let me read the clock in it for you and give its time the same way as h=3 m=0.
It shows h=8 m=45
